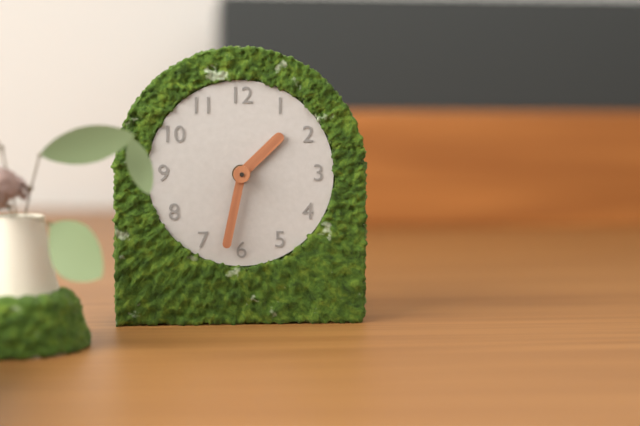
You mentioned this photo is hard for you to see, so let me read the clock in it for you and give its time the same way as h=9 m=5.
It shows h=1 m=32
